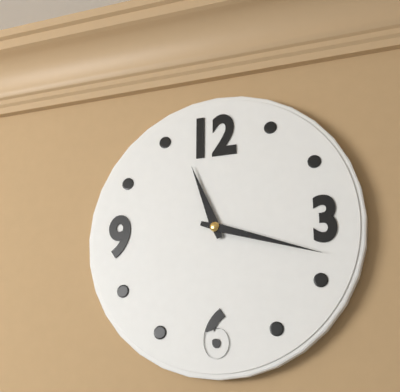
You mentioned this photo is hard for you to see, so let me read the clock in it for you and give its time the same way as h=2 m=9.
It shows h=11 m=18
